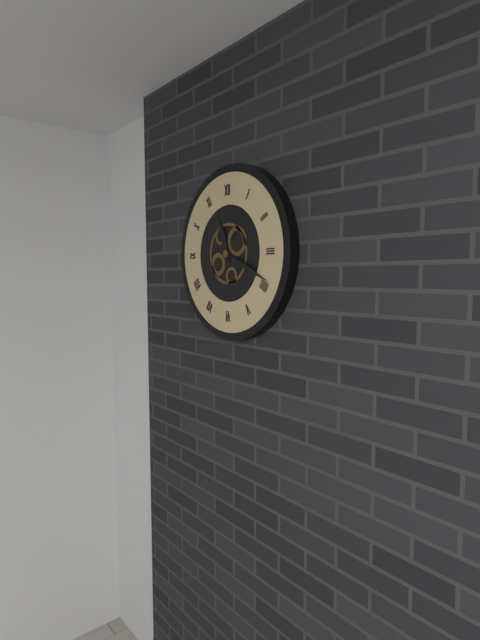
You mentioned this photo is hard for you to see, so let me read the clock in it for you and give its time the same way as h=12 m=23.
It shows h=11 m=19
